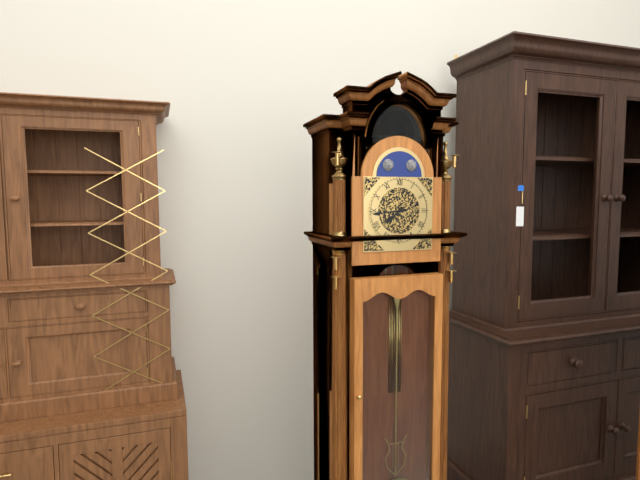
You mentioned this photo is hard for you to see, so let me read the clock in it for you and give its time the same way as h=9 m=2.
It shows h=7 m=44
